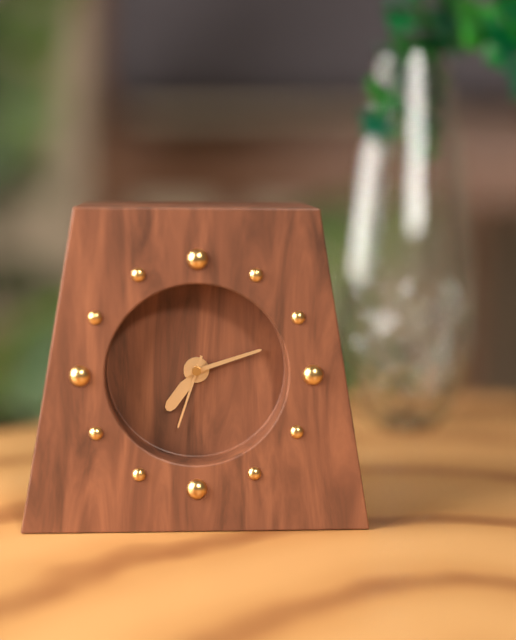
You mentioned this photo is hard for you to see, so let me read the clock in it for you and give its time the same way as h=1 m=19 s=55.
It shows h=7 m=12 s=33
